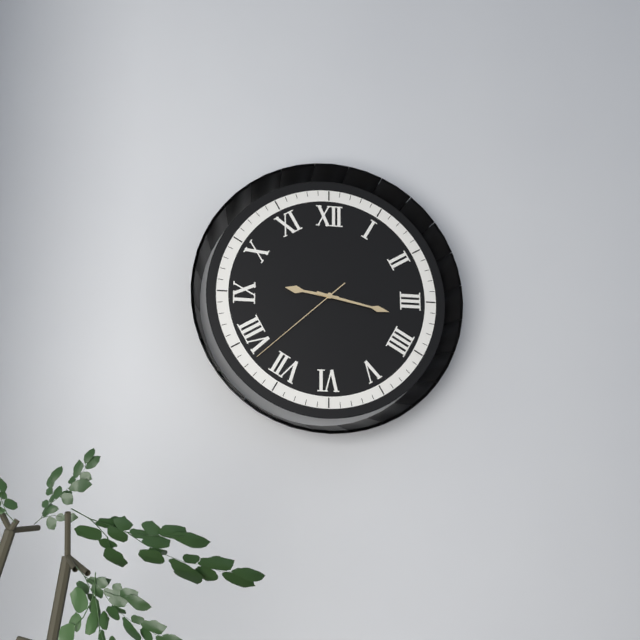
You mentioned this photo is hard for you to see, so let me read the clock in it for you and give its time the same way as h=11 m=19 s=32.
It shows h=9 m=17 s=38
